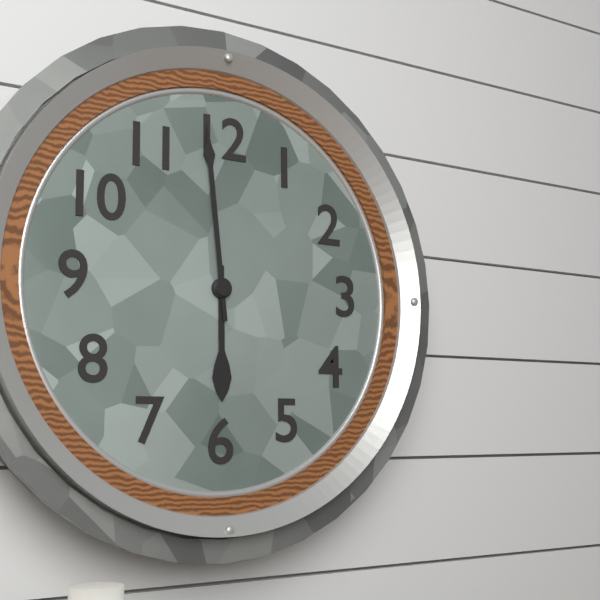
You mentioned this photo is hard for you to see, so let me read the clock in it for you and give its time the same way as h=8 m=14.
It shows h=5 m=59
